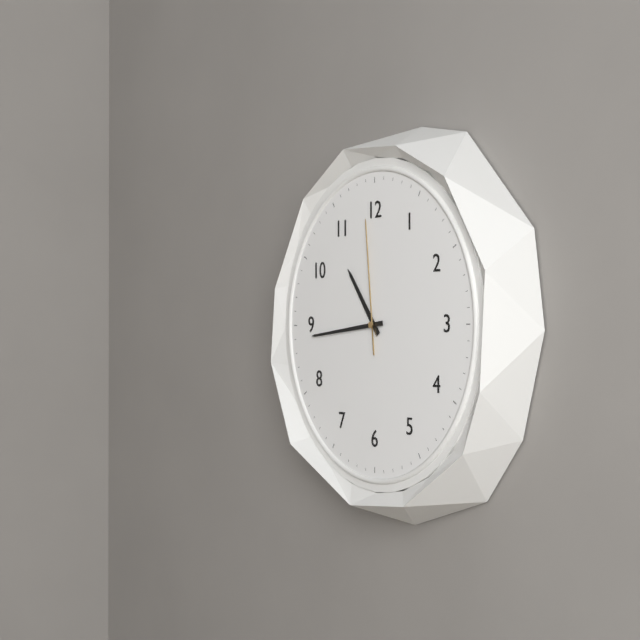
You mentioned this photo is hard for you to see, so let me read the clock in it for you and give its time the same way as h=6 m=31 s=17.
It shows h=10 m=44 s=59
